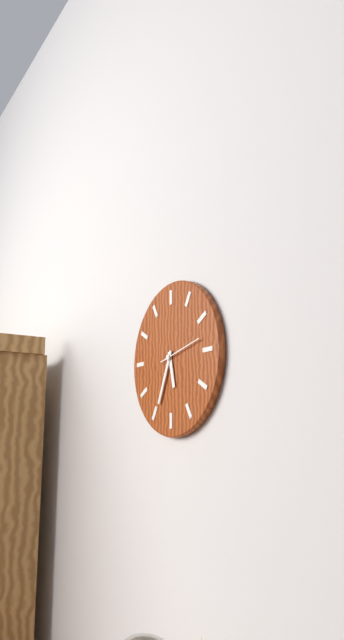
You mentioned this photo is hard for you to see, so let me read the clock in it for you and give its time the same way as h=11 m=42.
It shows h=5 m=34
